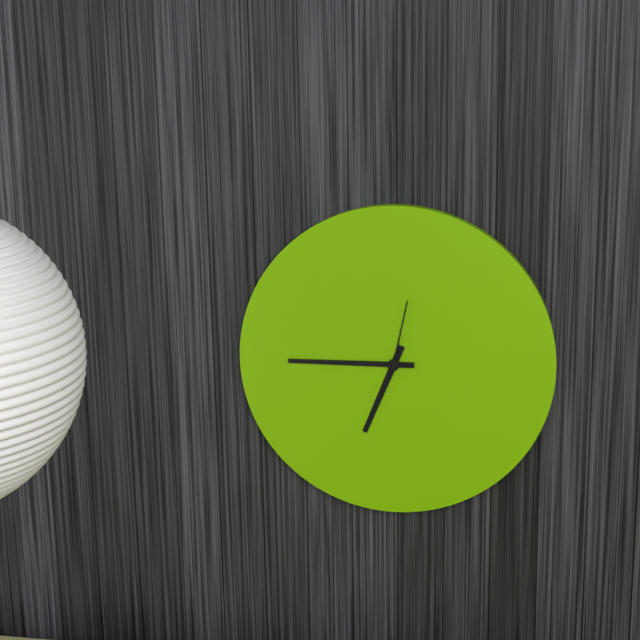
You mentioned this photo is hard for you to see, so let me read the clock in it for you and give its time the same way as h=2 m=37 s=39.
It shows h=6 m=45 s=2
